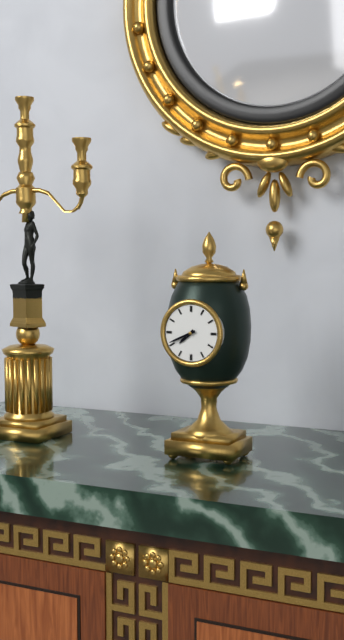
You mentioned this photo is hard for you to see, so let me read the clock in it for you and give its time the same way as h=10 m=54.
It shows h=7 m=41
